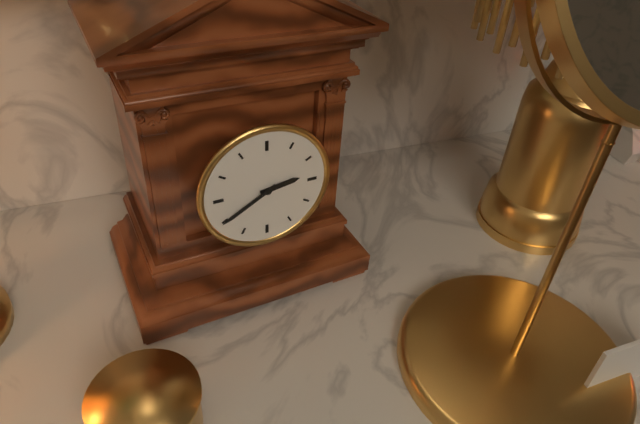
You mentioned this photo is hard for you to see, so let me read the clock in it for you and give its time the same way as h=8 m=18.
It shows h=2 m=40
